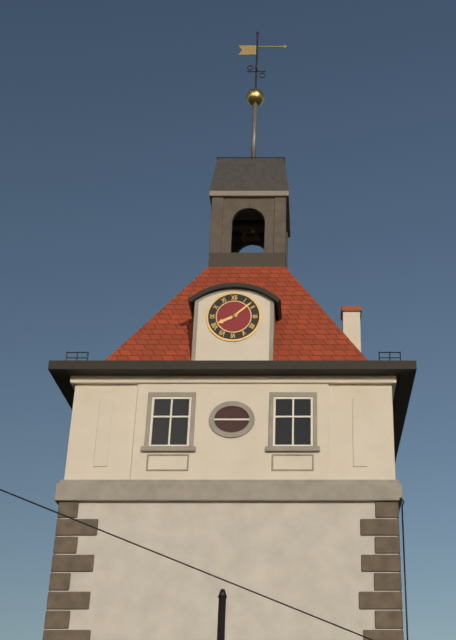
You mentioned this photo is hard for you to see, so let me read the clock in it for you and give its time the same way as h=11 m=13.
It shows h=8 m=8
